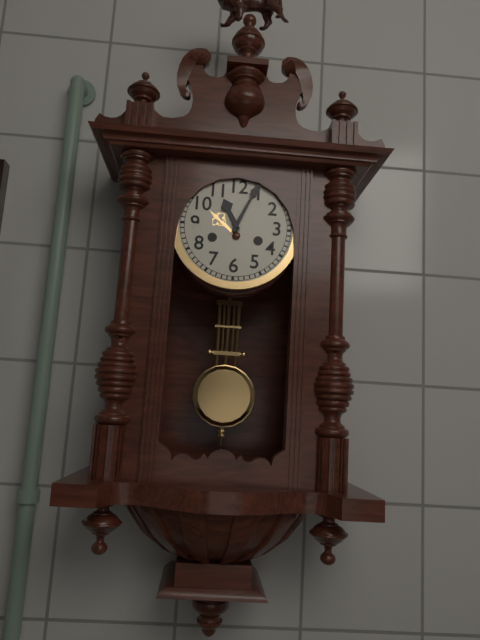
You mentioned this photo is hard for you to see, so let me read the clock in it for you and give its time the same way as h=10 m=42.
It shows h=11 m=4
